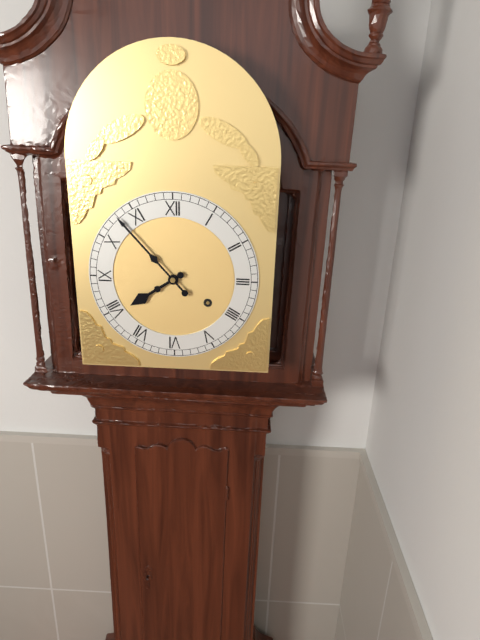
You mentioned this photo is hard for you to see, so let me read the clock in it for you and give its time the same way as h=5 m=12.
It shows h=7 m=53
